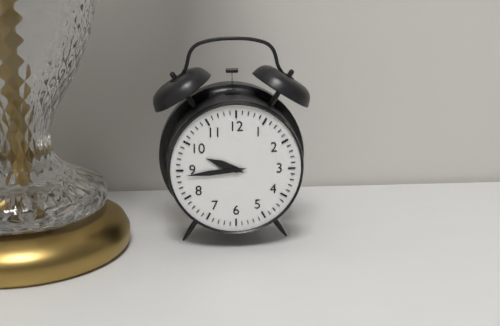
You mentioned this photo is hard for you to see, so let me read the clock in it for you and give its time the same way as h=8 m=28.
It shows h=9 m=44
